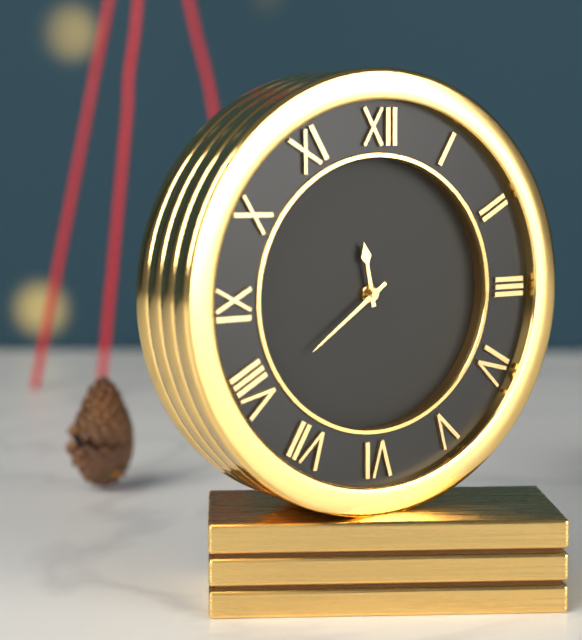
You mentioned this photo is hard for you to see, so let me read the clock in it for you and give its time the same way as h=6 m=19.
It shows h=11 m=39
